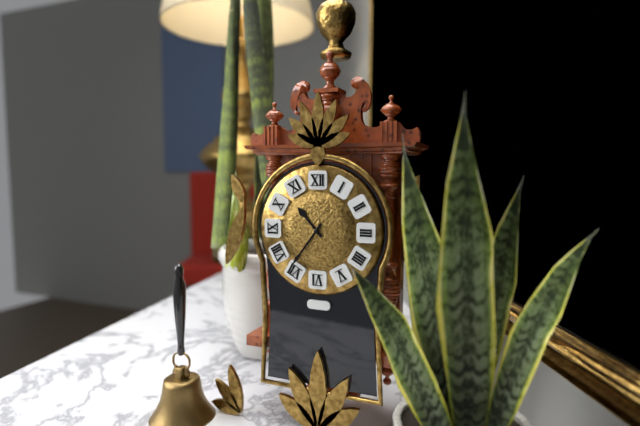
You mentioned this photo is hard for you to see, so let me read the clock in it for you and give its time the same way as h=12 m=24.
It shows h=10 m=36
